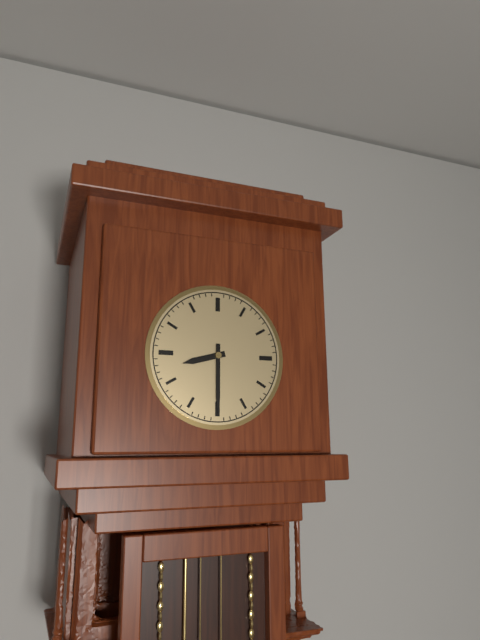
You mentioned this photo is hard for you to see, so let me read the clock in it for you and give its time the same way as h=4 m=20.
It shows h=8 m=30
